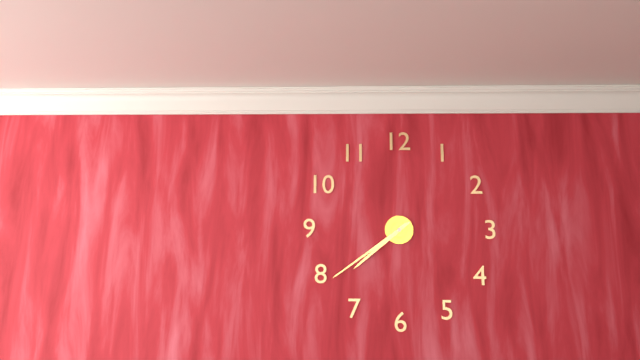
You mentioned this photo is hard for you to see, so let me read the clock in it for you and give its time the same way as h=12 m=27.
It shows h=7 m=39
